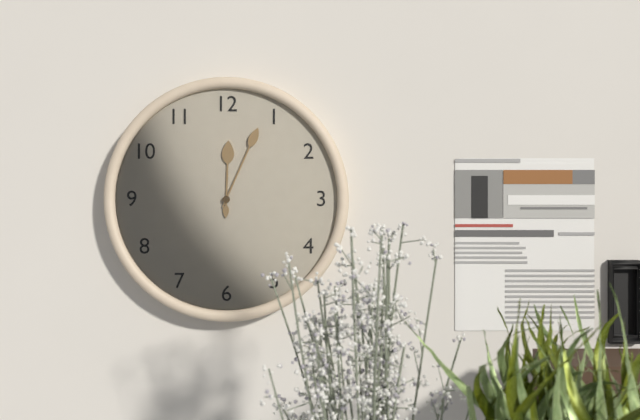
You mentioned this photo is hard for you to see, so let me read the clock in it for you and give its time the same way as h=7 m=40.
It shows h=12 m=4
